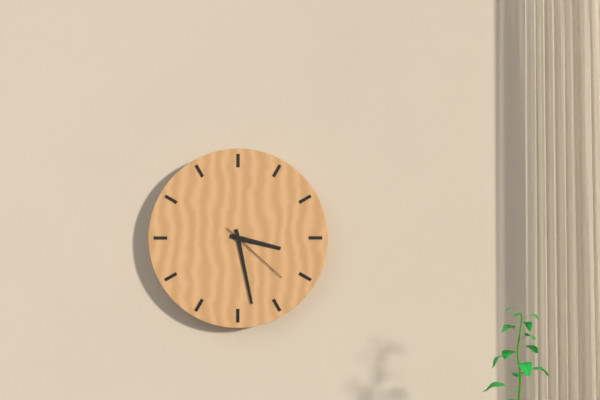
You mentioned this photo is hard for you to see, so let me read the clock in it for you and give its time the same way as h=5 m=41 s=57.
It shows h=3 m=28 s=22
